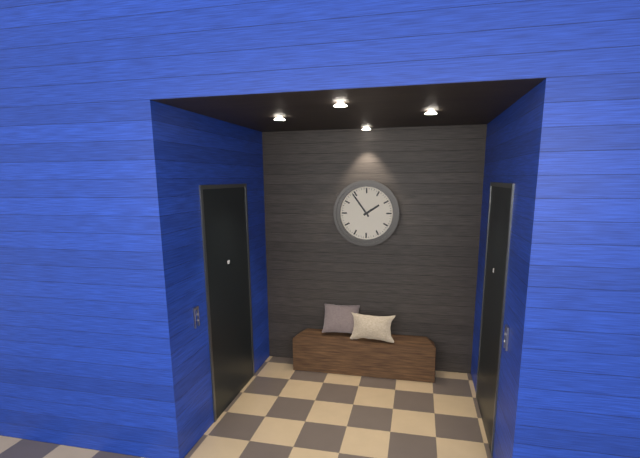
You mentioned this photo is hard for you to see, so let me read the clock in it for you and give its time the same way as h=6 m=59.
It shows h=1 m=54
